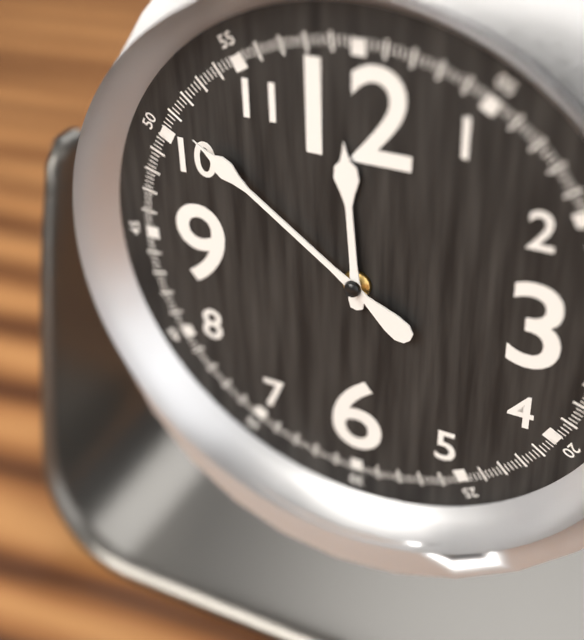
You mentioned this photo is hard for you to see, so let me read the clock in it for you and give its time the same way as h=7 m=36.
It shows h=11 m=51
